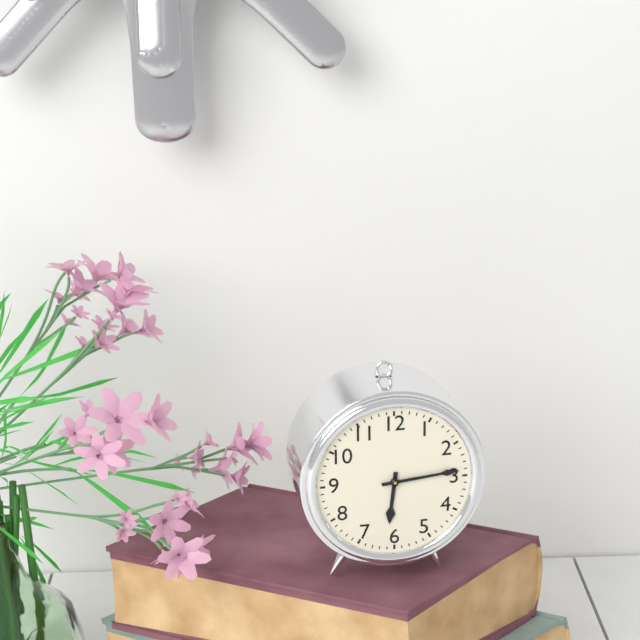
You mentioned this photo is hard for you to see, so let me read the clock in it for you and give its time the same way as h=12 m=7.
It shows h=6 m=14
